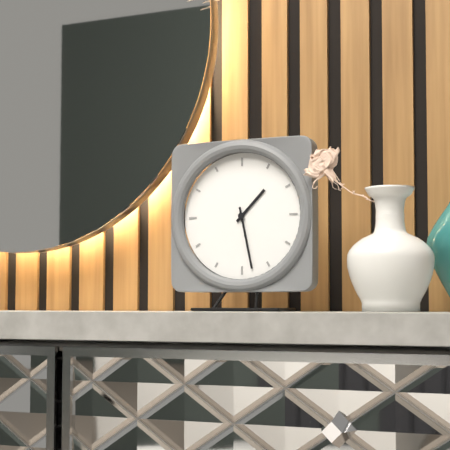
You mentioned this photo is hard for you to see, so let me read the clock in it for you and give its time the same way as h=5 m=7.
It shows h=1 m=28
